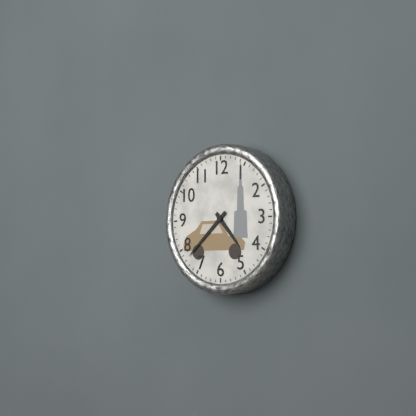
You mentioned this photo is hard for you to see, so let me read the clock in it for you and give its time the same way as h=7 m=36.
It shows h=4 m=38
